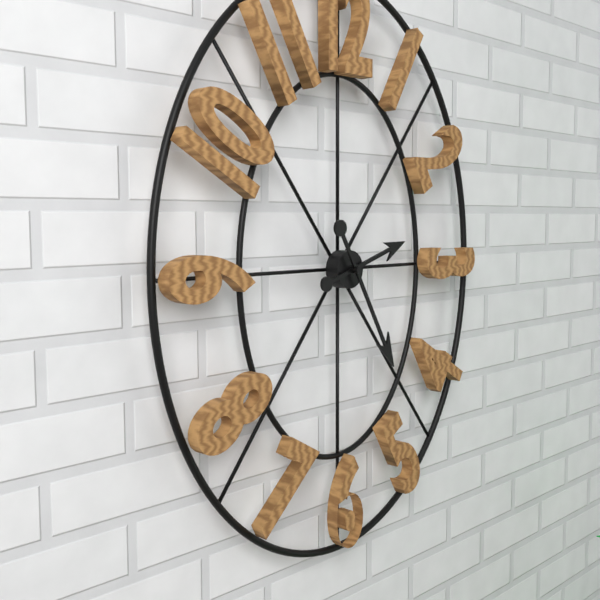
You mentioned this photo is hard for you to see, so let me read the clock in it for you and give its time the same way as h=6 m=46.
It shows h=2 m=25
